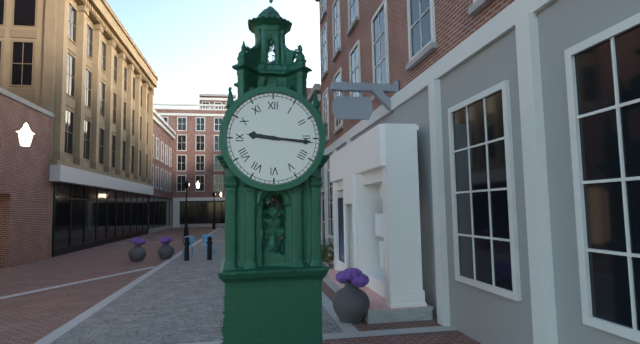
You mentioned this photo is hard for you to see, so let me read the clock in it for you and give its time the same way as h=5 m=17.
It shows h=9 m=16
